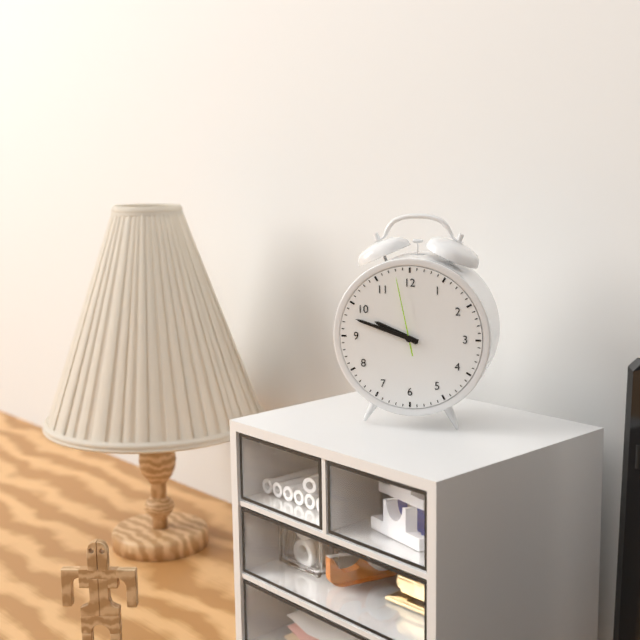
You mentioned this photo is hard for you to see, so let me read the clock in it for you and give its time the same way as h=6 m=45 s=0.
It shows h=9 m=48 s=58
